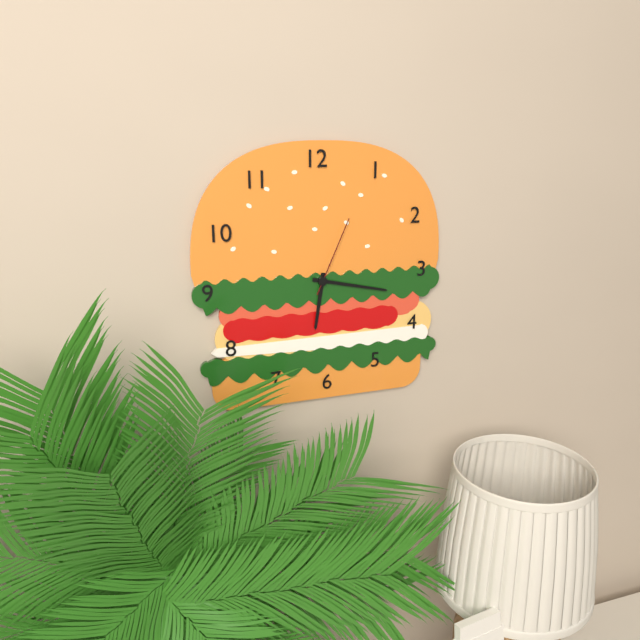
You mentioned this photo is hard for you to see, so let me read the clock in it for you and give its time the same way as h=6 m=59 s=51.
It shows h=6 m=17 s=4
